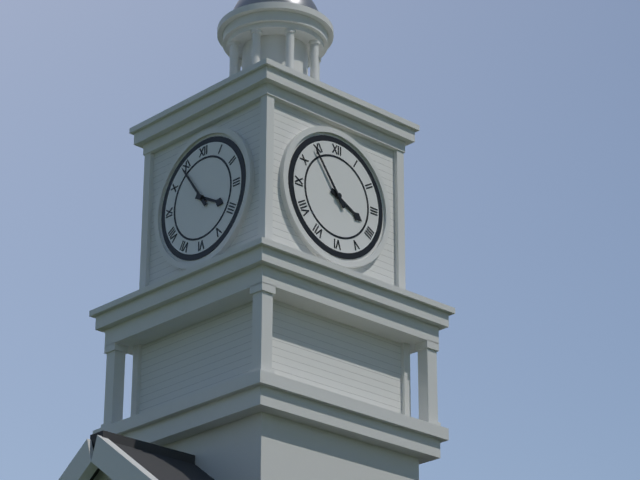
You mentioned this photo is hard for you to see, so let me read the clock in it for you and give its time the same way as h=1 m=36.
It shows h=3 m=54
